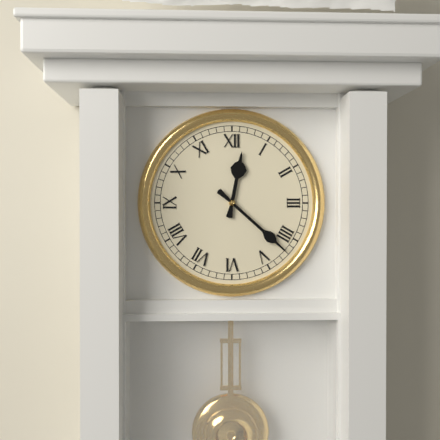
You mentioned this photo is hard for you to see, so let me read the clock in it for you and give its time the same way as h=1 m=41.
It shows h=12 m=22
